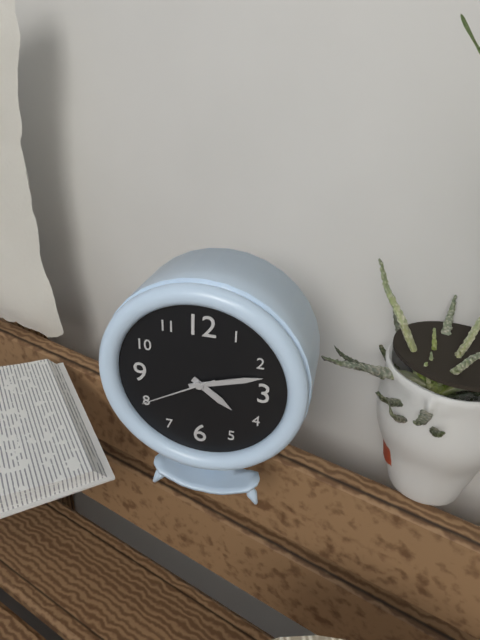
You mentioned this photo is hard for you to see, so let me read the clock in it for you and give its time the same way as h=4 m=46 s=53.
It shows h=4 m=12 s=40
